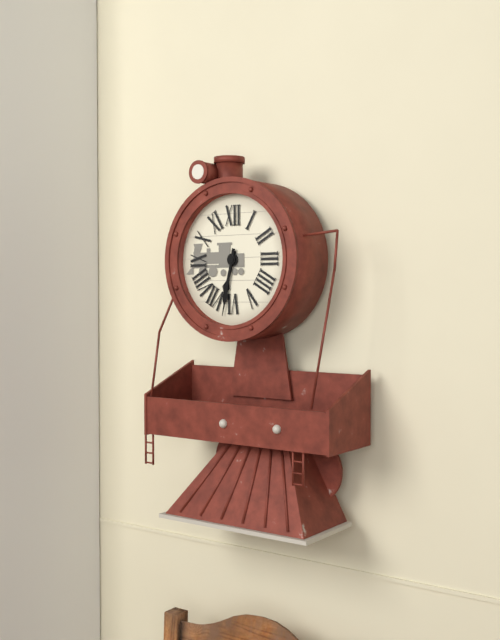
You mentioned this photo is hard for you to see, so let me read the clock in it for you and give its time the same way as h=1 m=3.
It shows h=6 m=32
